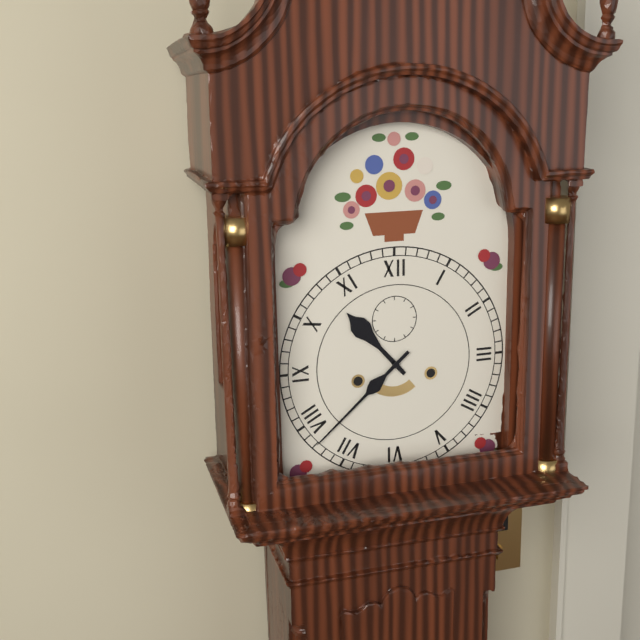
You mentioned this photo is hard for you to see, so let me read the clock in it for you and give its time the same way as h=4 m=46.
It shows h=10 m=38
